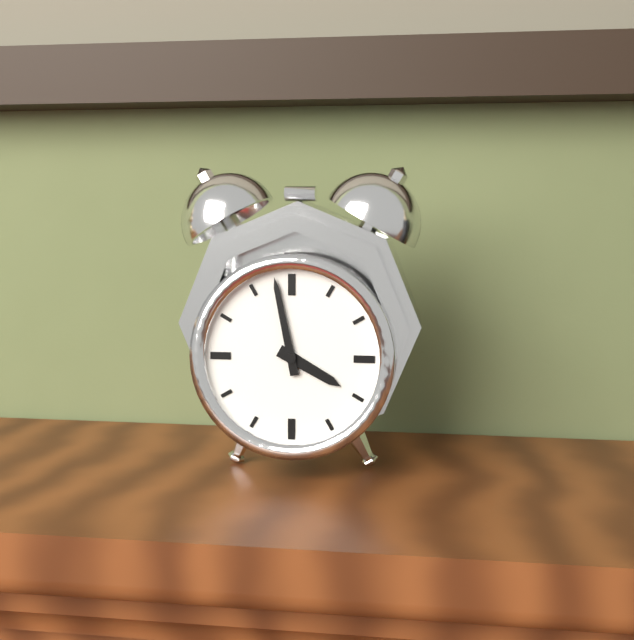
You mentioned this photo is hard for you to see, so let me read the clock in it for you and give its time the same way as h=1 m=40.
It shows h=3 m=58
